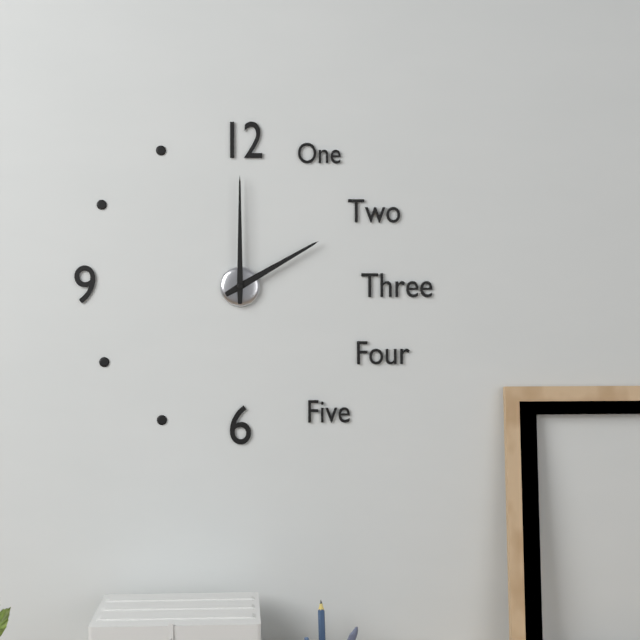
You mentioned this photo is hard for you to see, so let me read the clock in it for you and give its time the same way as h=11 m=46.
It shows h=2 m=0
